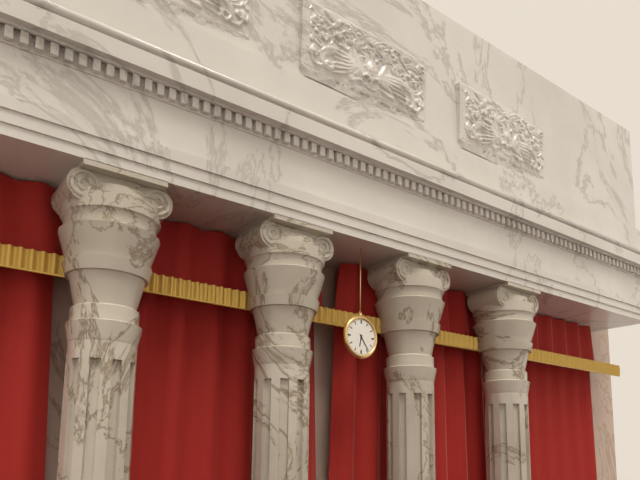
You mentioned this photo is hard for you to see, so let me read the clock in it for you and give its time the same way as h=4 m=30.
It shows h=6 m=24
